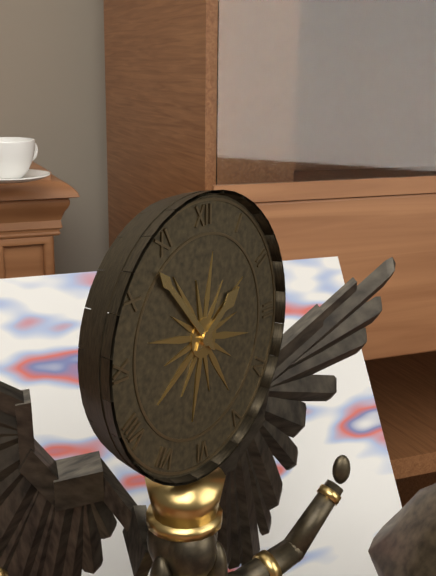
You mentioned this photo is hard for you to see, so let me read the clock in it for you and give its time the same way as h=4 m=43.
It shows h=1 m=53
